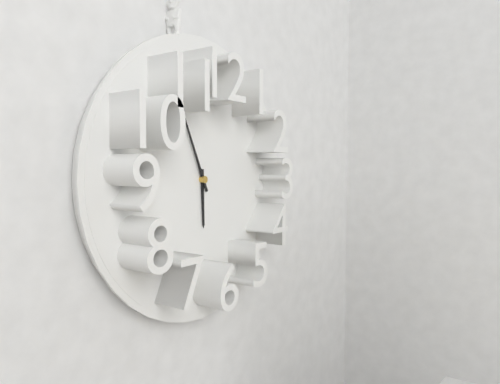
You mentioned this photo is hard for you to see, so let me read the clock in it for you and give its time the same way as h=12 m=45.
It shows h=5 m=56
